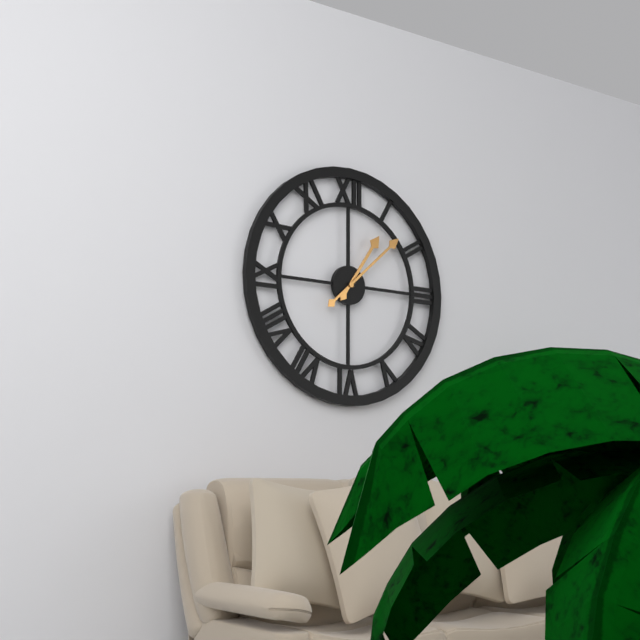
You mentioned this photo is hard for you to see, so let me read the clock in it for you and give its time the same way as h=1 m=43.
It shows h=1 m=8
